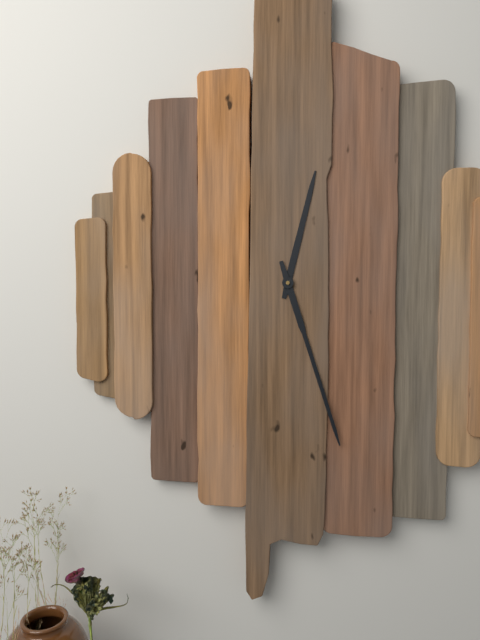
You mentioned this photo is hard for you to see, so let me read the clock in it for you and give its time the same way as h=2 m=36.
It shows h=12 m=27
